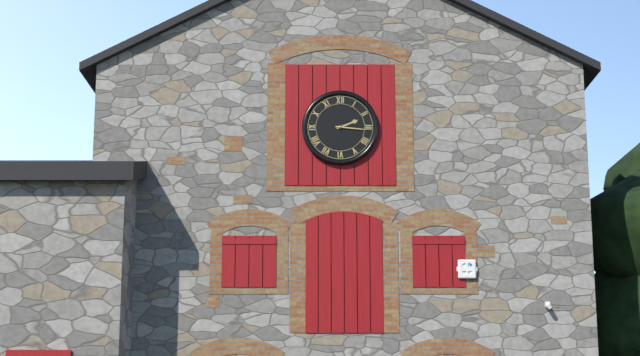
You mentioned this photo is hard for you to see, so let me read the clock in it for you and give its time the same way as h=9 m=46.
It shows h=2 m=16
